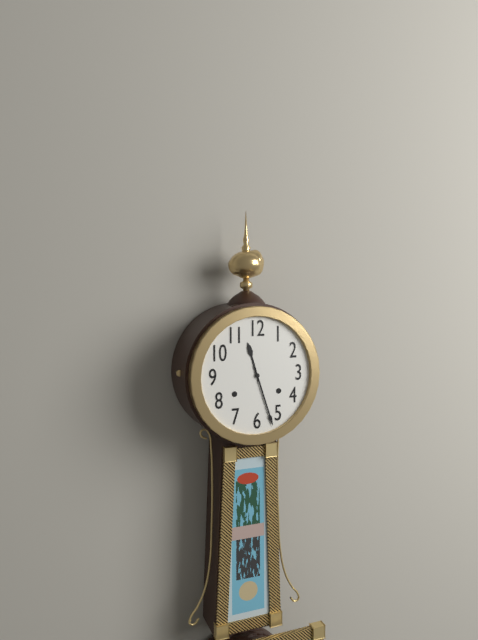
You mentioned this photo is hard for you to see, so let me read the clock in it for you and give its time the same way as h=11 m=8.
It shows h=11 m=27
